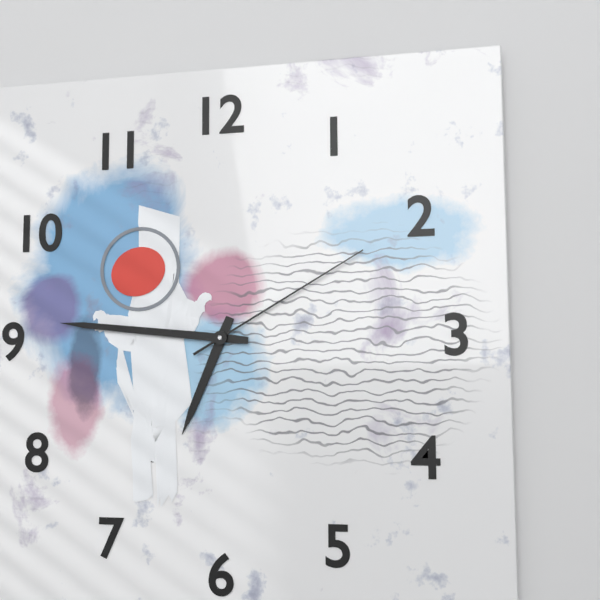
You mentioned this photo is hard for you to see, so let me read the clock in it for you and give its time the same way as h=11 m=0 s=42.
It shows h=6 m=46 s=10
